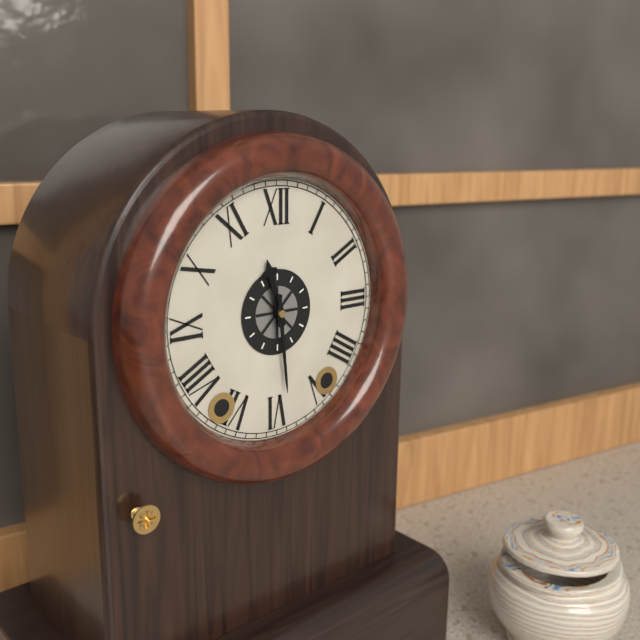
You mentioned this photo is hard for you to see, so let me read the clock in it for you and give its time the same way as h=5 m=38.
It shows h=11 m=29
